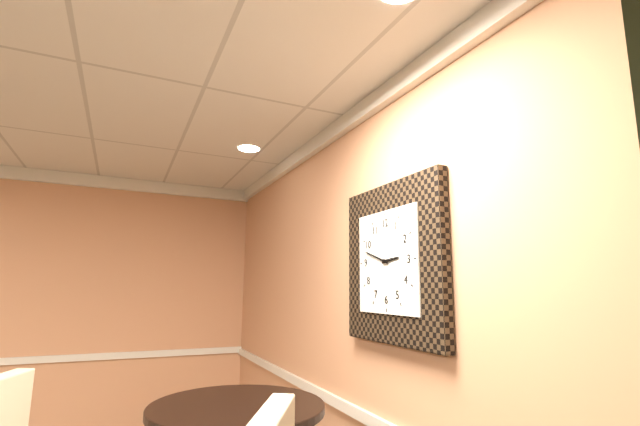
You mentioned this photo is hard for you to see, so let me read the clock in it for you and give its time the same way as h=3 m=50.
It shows h=2 m=48
